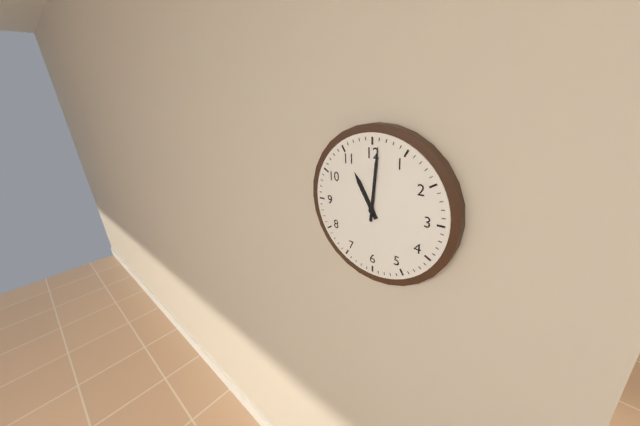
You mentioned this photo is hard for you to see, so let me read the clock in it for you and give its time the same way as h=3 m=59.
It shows h=11 m=1
